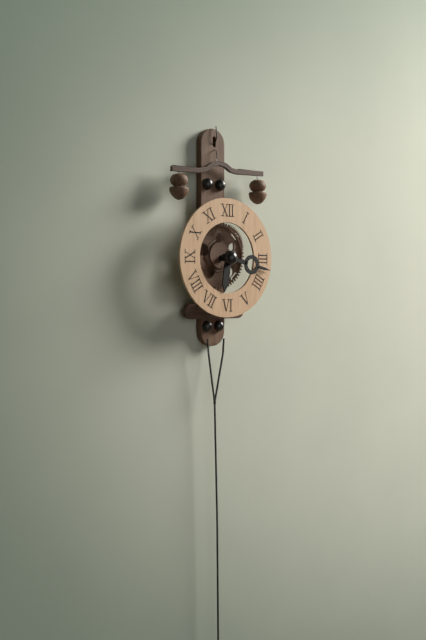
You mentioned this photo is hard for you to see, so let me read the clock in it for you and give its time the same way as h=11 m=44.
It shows h=6 m=17
